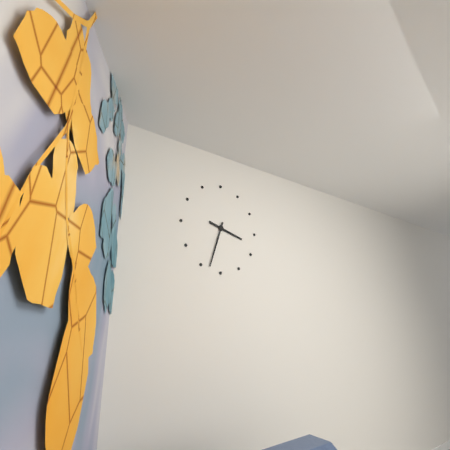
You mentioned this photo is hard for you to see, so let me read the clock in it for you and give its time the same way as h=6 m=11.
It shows h=3 m=33
